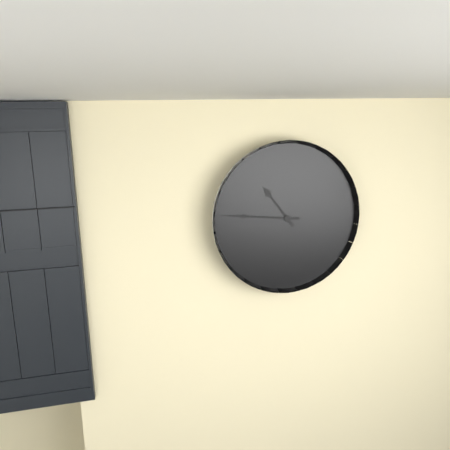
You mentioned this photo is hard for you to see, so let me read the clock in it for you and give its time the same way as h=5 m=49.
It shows h=10 m=46
